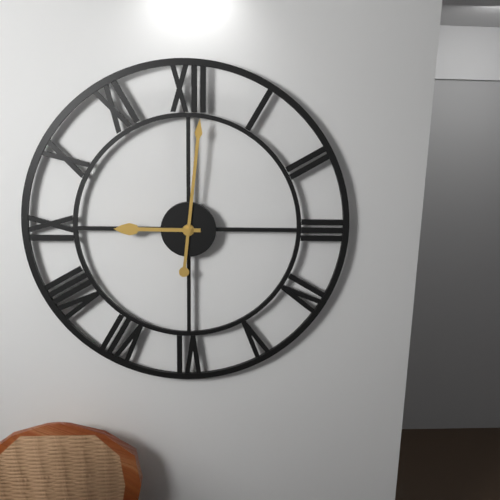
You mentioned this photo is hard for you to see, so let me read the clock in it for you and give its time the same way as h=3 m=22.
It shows h=9 m=1
